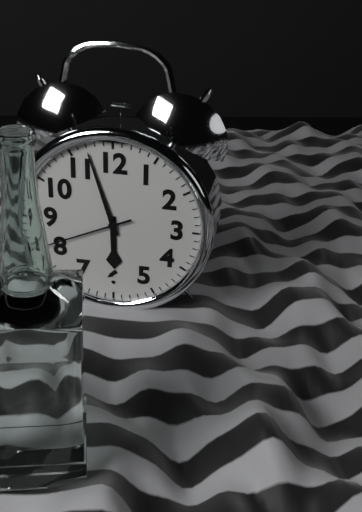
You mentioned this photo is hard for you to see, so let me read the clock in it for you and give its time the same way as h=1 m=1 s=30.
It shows h=5 m=57 s=41
